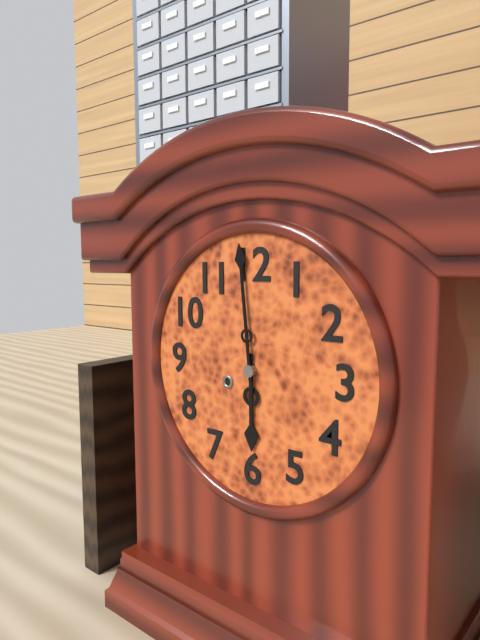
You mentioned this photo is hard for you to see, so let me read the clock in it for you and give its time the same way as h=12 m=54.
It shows h=5 m=59
